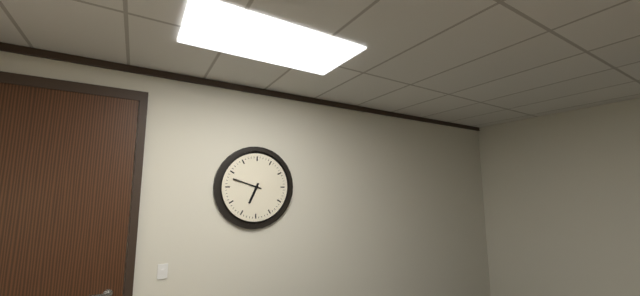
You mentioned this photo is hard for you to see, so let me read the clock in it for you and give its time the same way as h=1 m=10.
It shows h=6 m=48
